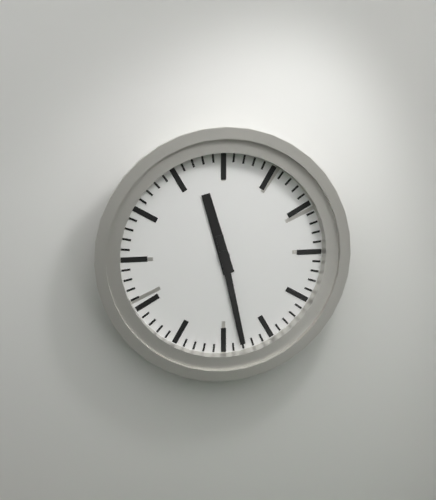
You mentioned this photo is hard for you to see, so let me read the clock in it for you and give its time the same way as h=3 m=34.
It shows h=11 m=28
